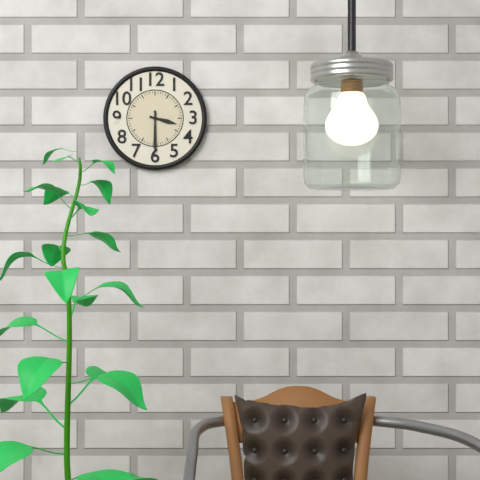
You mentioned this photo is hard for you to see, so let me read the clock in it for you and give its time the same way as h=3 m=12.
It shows h=3 m=30
